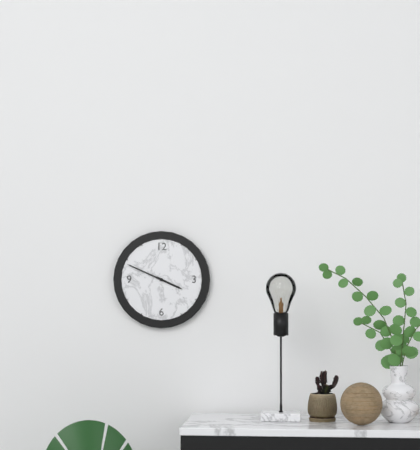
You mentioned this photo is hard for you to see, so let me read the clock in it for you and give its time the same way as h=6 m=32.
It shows h=3 m=49
